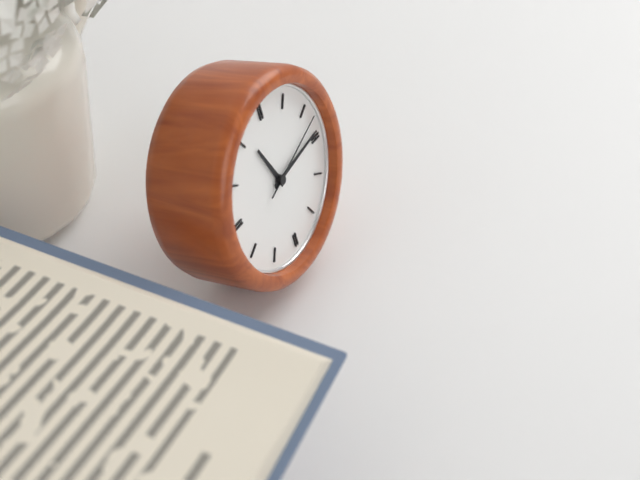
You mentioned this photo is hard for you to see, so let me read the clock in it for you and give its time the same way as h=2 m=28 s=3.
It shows h=11 m=14 s=12
